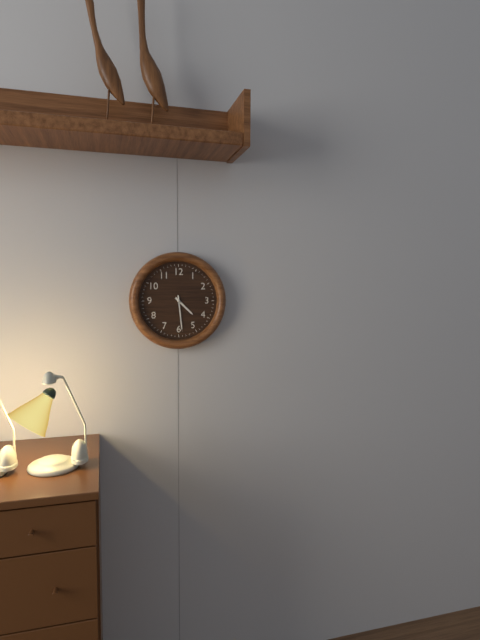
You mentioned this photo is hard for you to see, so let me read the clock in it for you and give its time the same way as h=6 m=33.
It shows h=4 m=29
